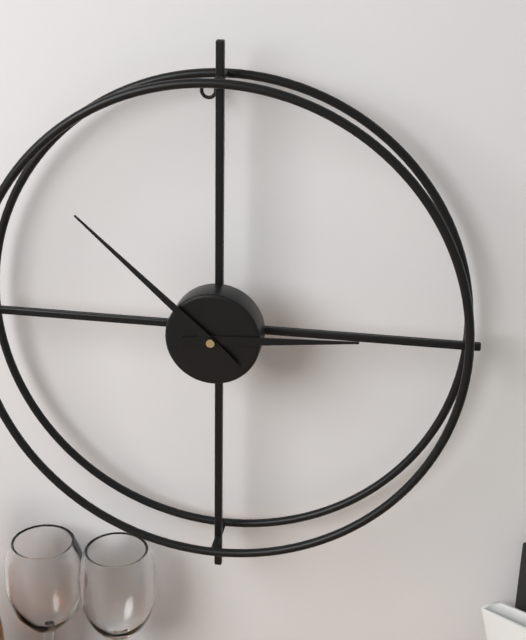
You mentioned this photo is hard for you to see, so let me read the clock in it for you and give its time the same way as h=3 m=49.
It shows h=2 m=52
